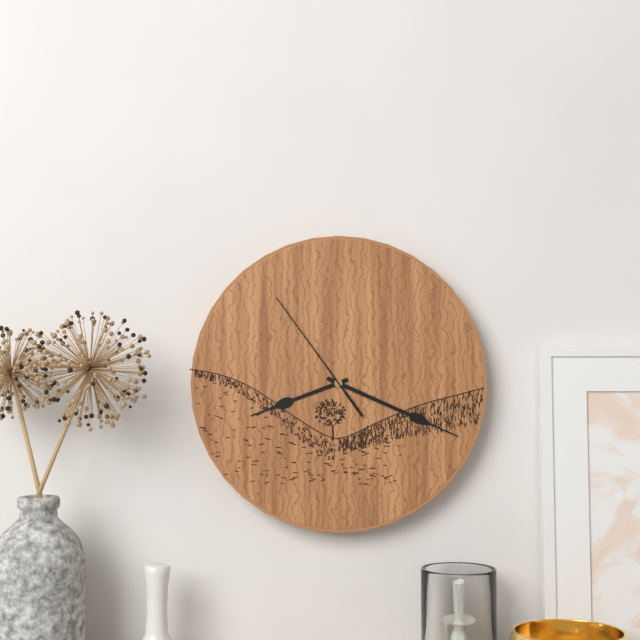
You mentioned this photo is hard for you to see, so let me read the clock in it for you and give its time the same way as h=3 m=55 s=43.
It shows h=8 m=19 s=54
